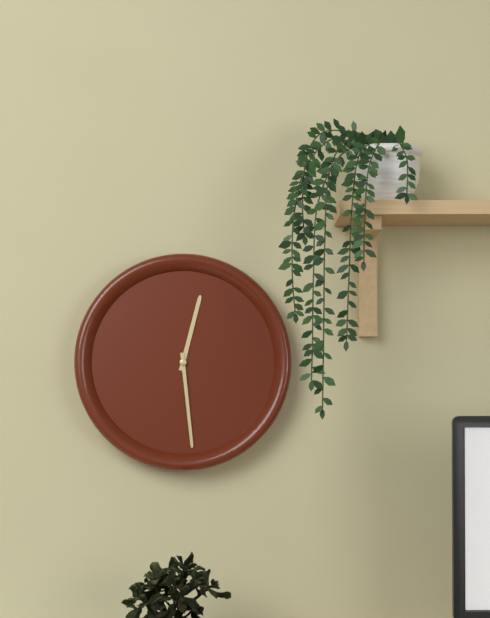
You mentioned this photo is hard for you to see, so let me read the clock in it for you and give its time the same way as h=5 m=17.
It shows h=12 m=29
